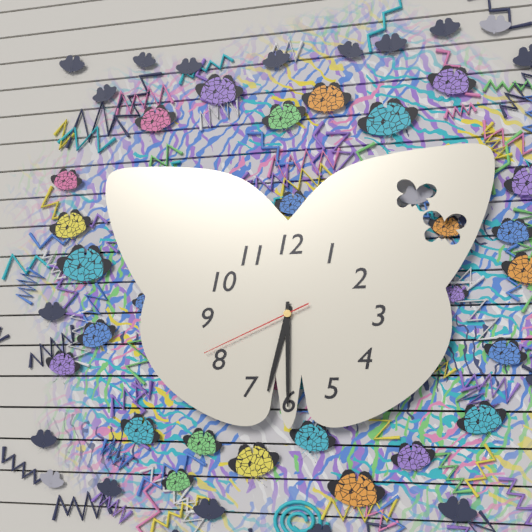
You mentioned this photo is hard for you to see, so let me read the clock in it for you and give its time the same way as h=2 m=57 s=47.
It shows h=6 m=30 s=41
